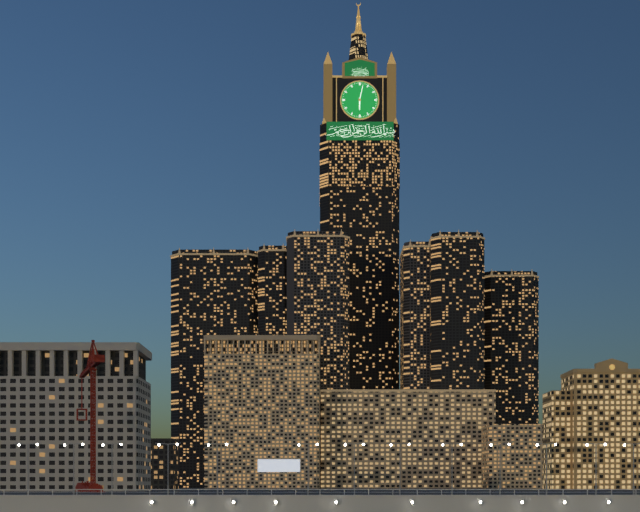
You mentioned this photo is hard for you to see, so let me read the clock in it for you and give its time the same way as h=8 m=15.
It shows h=6 m=2
